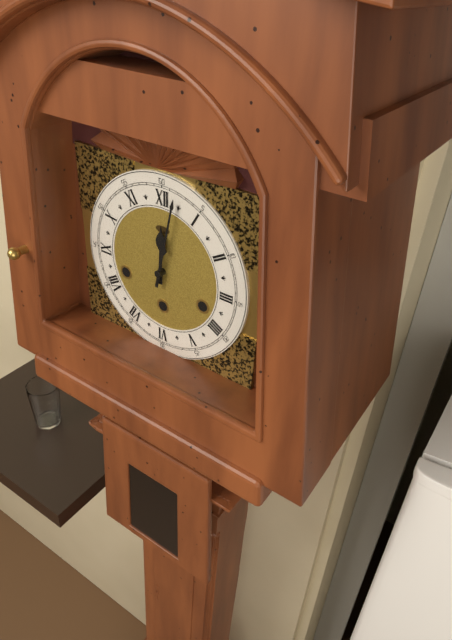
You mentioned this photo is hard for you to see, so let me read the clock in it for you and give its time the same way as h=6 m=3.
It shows h=12 m=2
